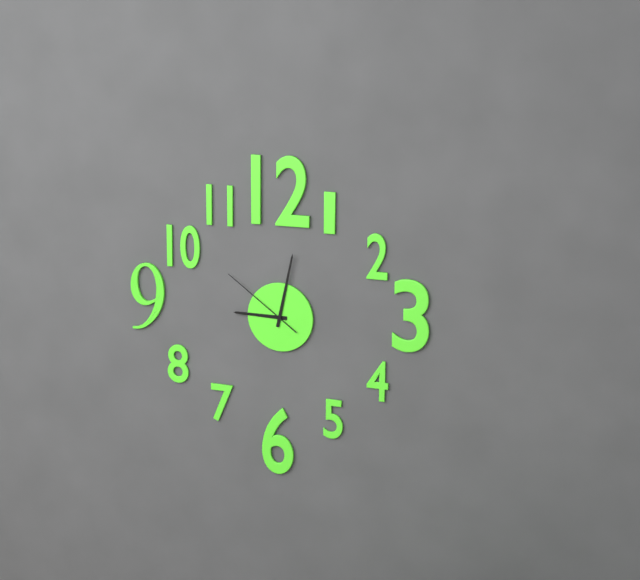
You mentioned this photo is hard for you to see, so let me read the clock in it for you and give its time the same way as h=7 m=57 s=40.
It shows h=9 m=2 s=51
